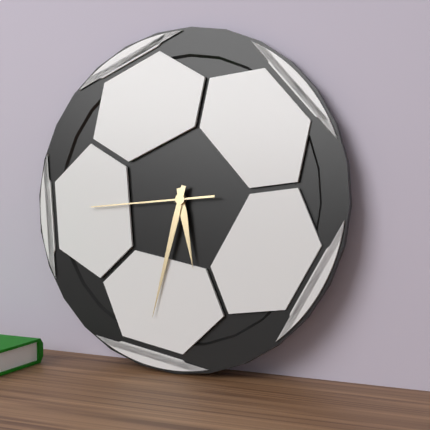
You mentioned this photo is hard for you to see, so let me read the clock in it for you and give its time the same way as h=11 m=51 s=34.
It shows h=5 m=32 s=44
